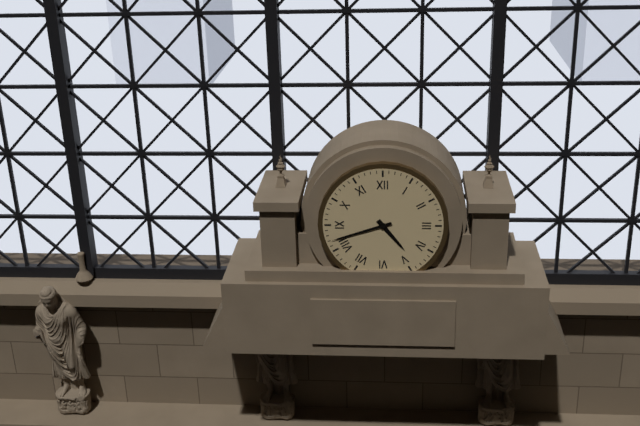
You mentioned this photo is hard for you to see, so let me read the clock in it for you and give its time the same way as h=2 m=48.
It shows h=4 m=42
